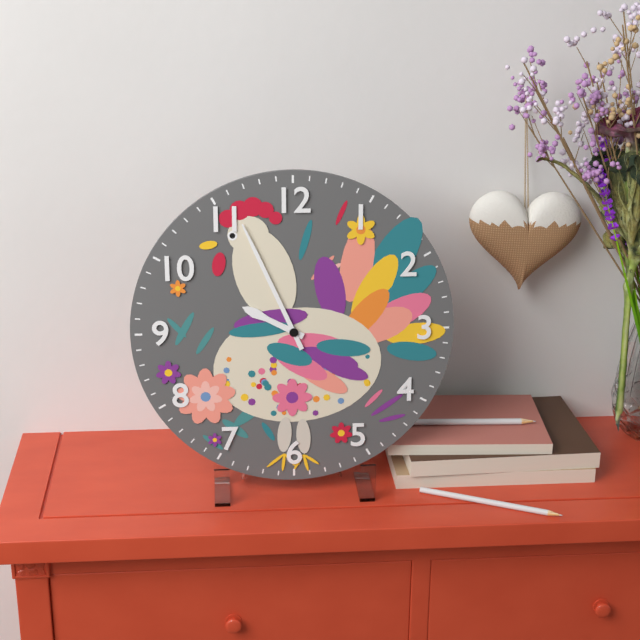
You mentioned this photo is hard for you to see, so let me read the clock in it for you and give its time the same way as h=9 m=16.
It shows h=9 m=56
